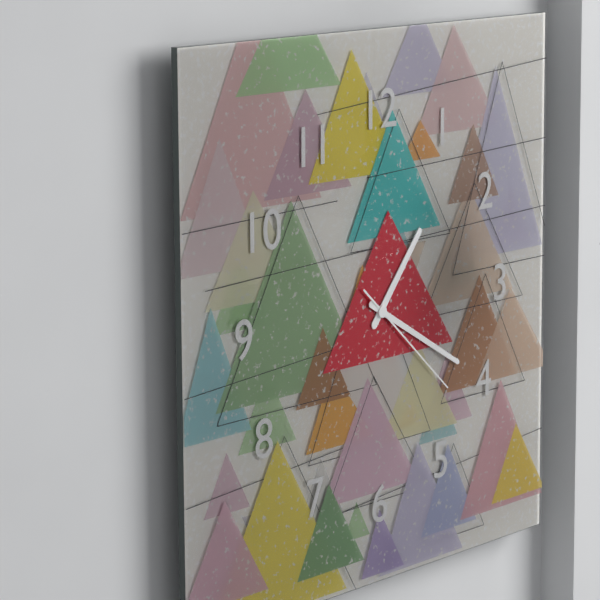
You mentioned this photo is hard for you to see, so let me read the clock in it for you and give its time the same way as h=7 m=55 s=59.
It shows h=1 m=20 s=22
